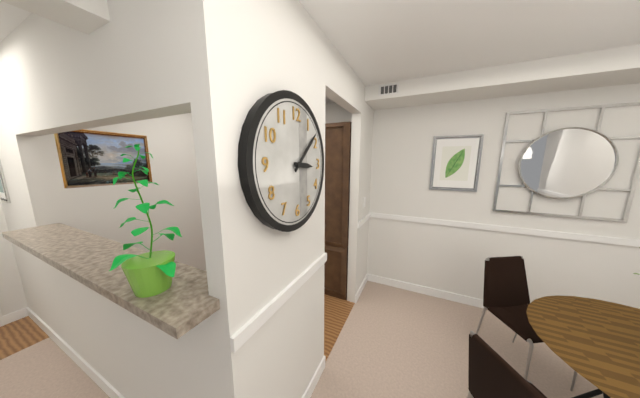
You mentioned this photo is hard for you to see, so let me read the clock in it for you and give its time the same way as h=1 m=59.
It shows h=3 m=8
